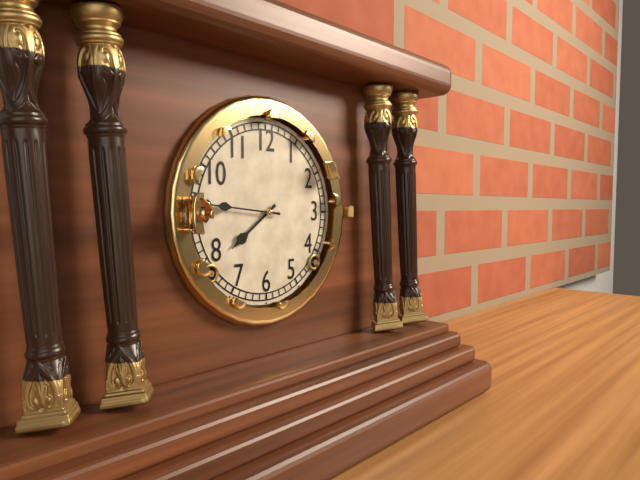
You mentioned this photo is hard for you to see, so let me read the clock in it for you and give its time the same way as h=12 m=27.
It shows h=7 m=46
